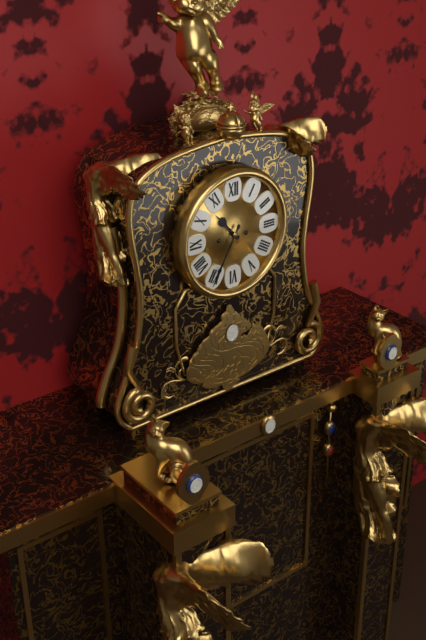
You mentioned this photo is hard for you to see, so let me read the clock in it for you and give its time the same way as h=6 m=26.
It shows h=10 m=35
